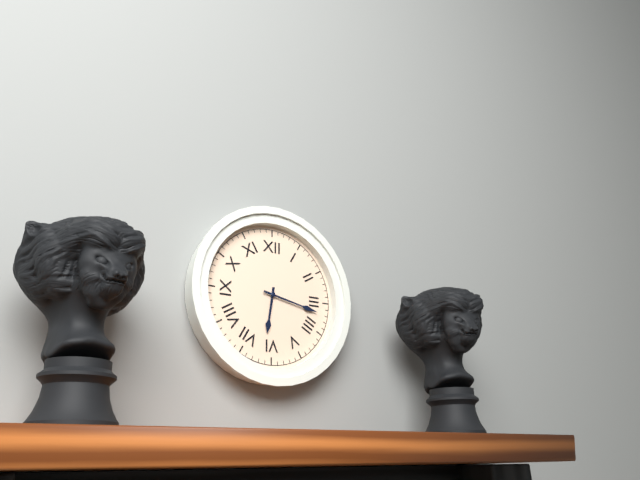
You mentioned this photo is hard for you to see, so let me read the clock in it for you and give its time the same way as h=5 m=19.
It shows h=6 m=17
